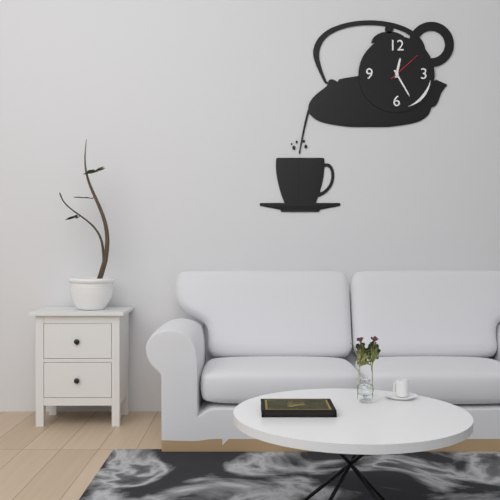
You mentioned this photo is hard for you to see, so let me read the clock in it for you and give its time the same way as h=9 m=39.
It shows h=12 m=25
